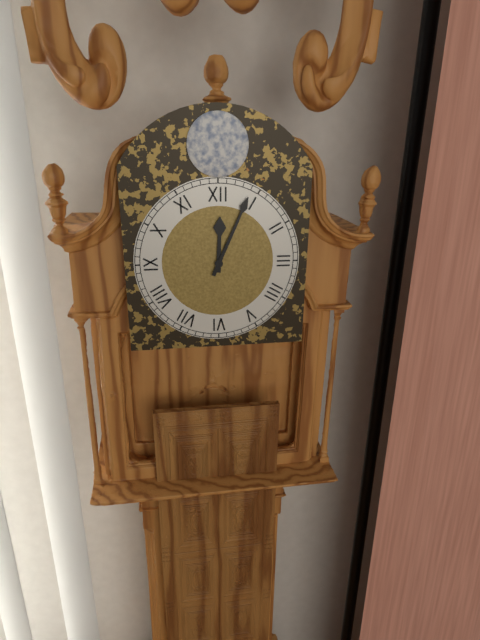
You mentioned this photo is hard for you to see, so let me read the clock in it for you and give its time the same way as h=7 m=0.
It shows h=12 m=4
